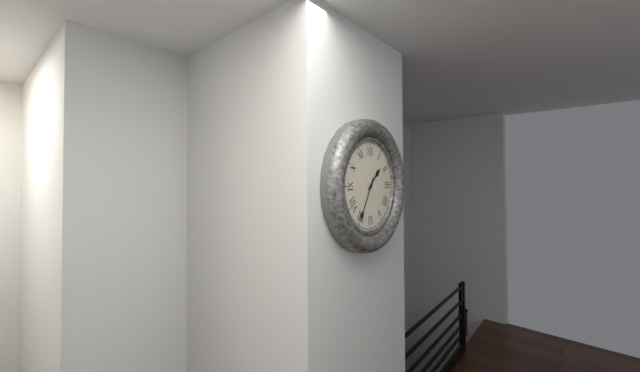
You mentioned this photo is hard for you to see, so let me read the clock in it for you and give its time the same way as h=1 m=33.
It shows h=1 m=35
